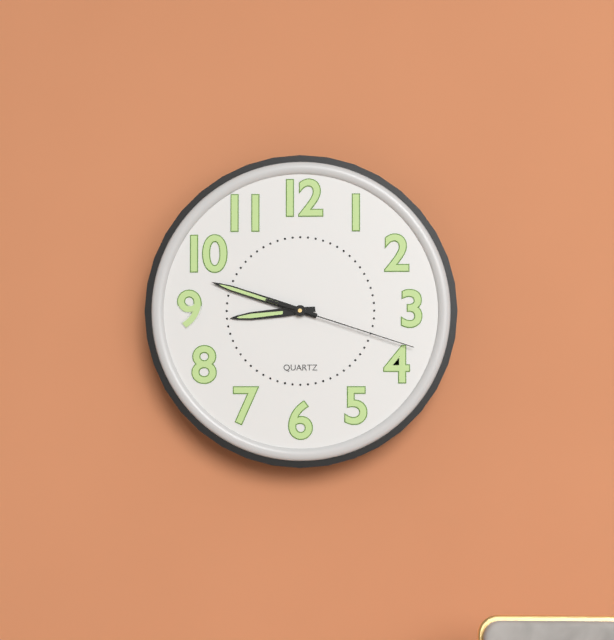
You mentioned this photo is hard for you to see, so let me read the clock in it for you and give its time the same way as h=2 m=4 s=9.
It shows h=8 m=48 s=18
